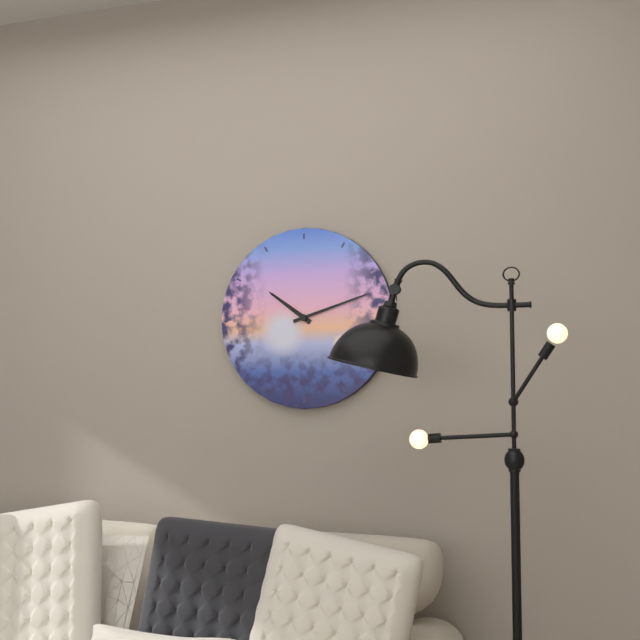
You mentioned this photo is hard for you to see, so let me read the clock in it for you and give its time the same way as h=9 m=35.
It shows h=10 m=12
